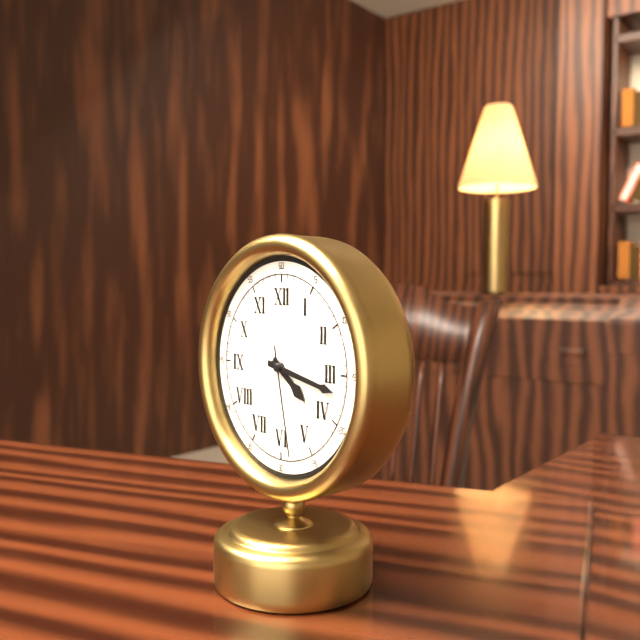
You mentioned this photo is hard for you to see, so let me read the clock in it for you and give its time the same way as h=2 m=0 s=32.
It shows h=4 m=17 s=28
